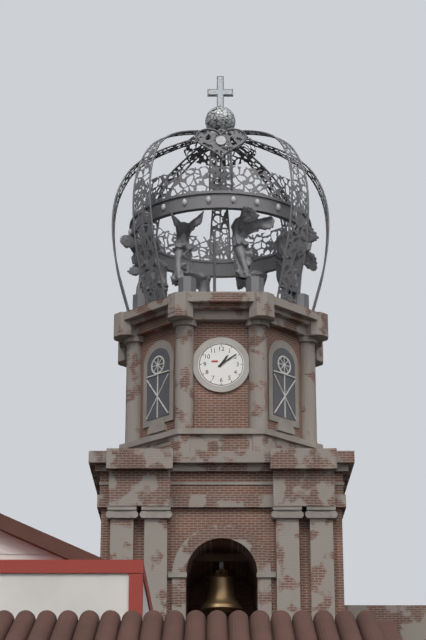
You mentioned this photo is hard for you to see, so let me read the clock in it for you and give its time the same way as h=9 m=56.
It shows h=1 m=9
